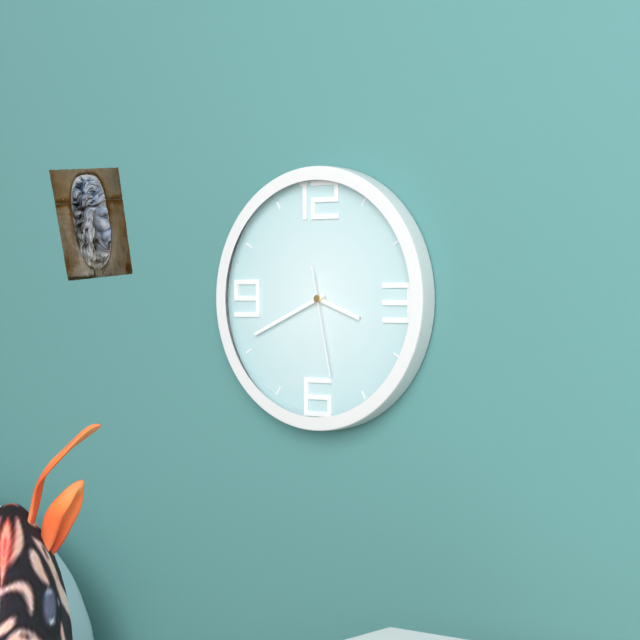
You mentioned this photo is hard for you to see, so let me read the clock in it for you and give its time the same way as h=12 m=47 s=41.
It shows h=3 m=41 s=28
